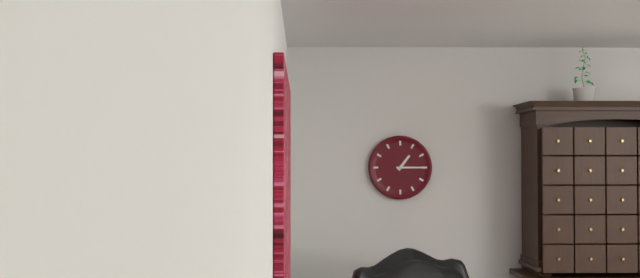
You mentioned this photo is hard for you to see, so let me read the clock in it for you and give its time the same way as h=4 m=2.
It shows h=1 m=15
